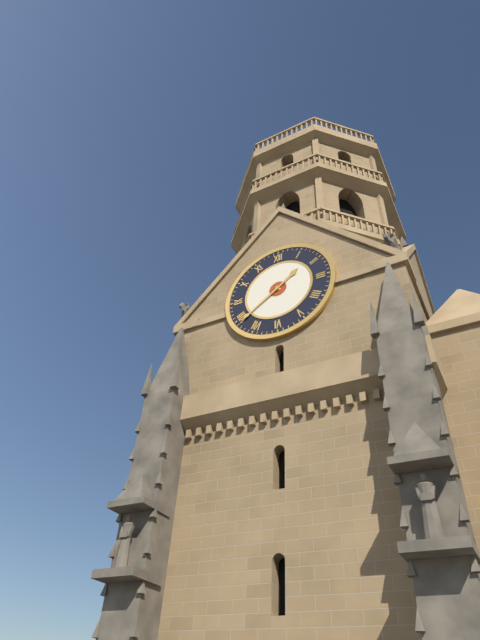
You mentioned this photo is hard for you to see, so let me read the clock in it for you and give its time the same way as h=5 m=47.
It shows h=1 m=39
